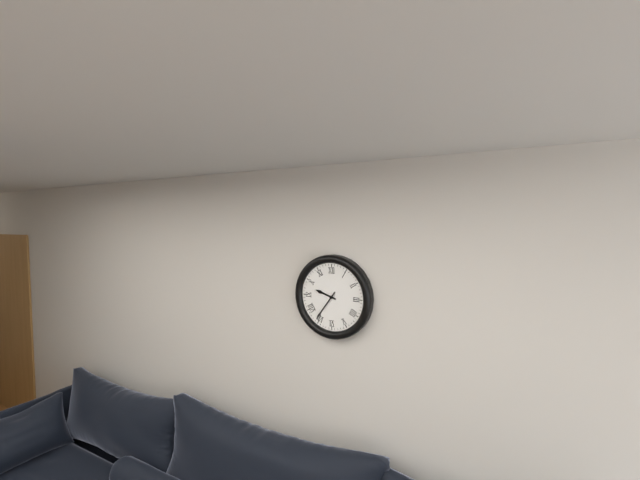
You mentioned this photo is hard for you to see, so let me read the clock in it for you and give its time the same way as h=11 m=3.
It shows h=9 m=36
